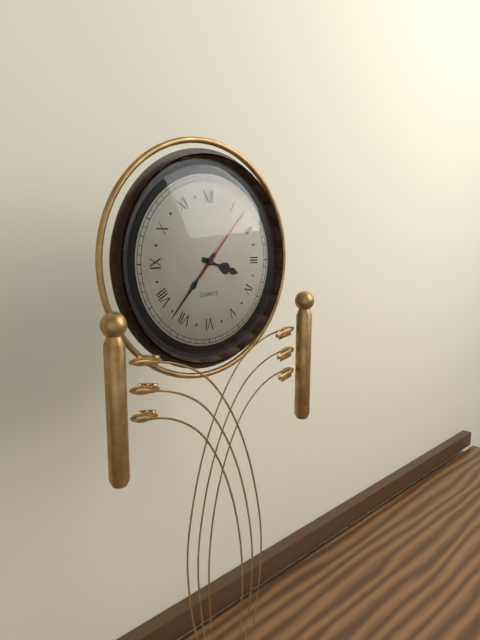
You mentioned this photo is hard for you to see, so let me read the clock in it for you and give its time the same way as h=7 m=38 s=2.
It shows h=3 m=37 s=7
